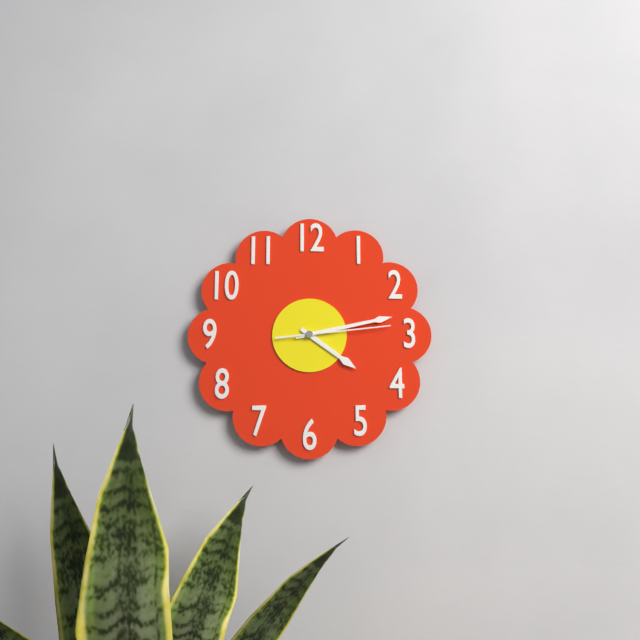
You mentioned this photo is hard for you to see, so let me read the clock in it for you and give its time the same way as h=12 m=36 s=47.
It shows h=4 m=13 s=14
